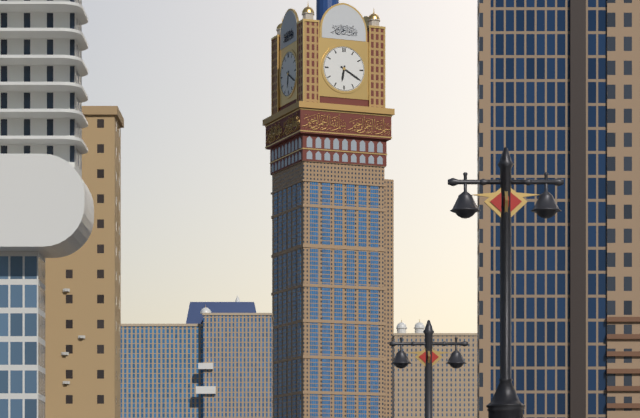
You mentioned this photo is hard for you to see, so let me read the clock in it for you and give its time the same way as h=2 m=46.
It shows h=6 m=20
